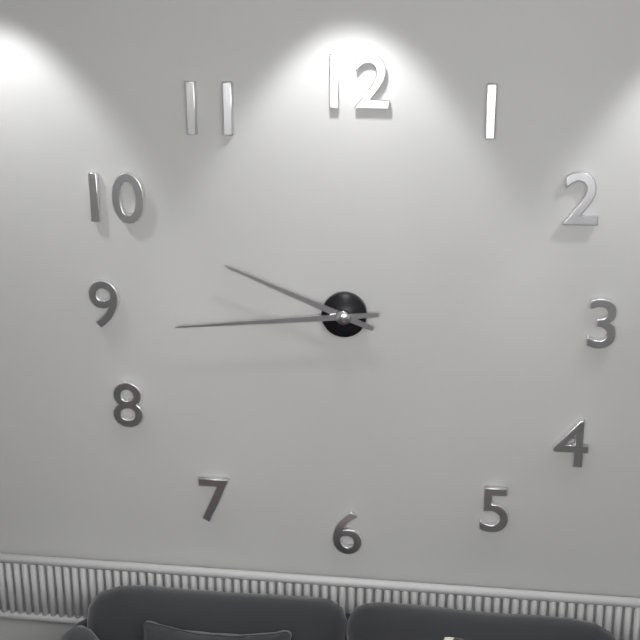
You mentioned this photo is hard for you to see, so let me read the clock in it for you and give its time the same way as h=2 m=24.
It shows h=9 m=44
